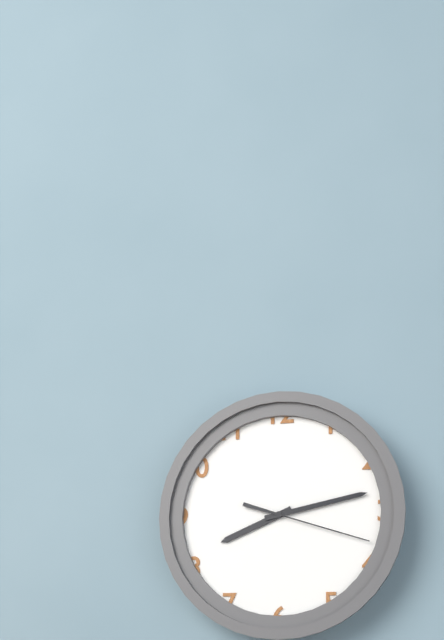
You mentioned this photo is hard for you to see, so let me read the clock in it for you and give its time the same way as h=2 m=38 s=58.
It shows h=8 m=13 s=18
